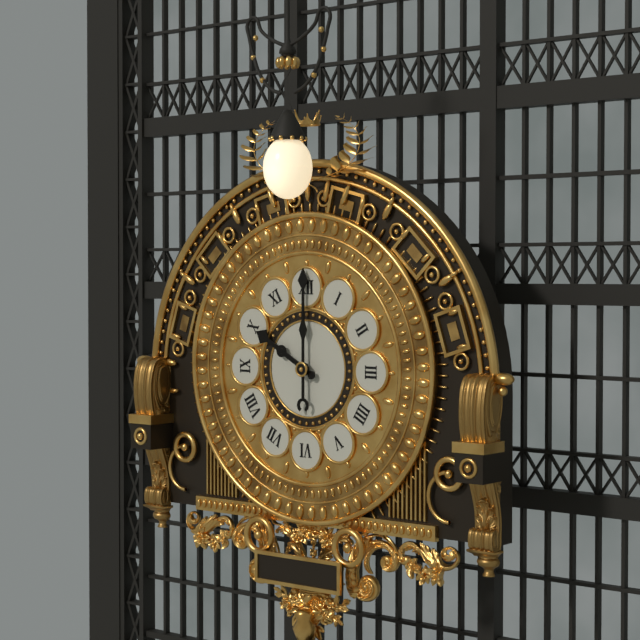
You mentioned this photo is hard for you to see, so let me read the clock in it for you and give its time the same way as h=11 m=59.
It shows h=10 m=0
